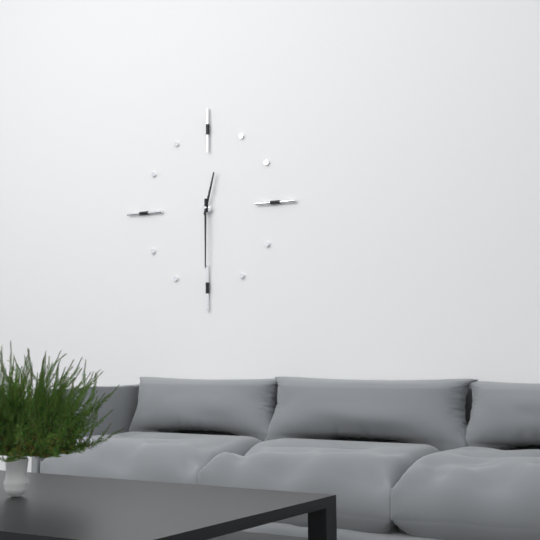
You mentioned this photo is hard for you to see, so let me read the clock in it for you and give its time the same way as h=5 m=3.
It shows h=12 m=30
